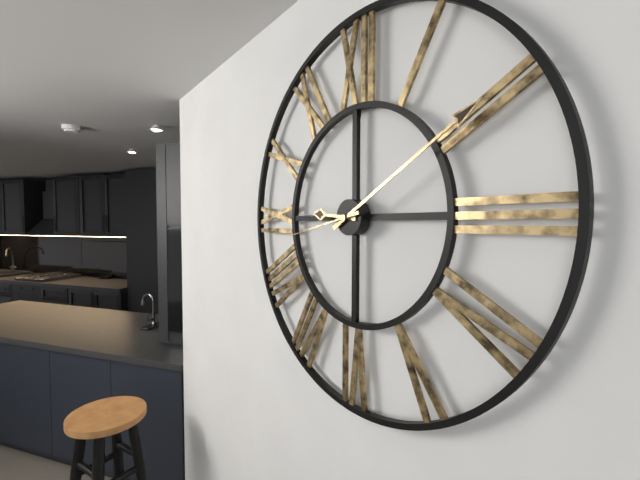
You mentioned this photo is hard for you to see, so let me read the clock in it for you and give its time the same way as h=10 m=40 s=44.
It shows h=9 m=10 s=43
